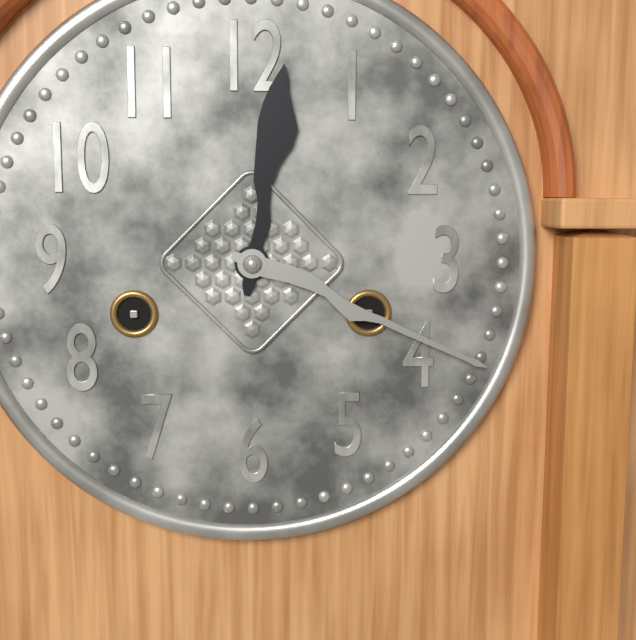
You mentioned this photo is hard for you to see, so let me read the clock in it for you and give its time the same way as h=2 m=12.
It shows h=12 m=19
